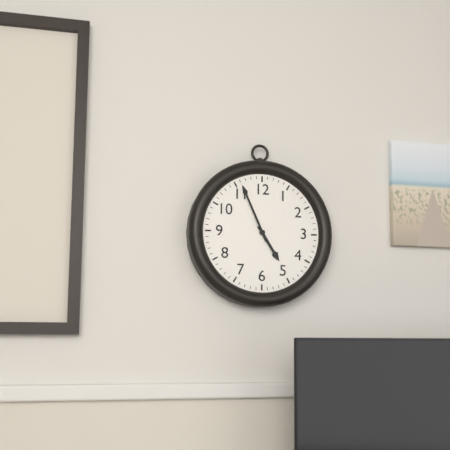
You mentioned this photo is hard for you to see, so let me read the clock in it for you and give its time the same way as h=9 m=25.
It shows h=4 m=56
